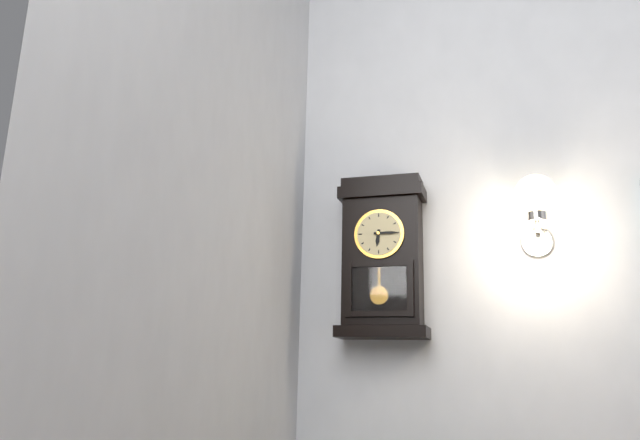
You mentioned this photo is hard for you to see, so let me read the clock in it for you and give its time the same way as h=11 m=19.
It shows h=6 m=15
